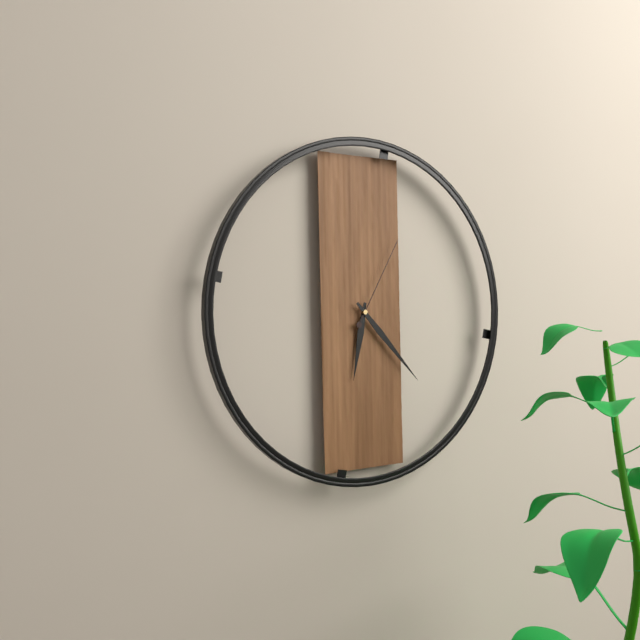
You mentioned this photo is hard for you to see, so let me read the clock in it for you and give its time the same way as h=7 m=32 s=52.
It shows h=6 m=23 s=5
